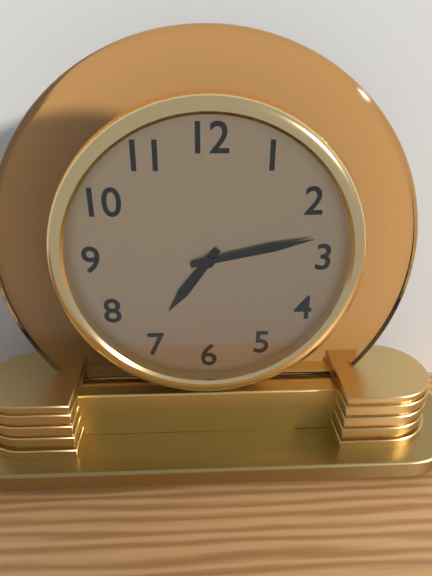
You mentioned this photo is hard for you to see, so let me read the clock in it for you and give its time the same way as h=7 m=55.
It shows h=7 m=13
